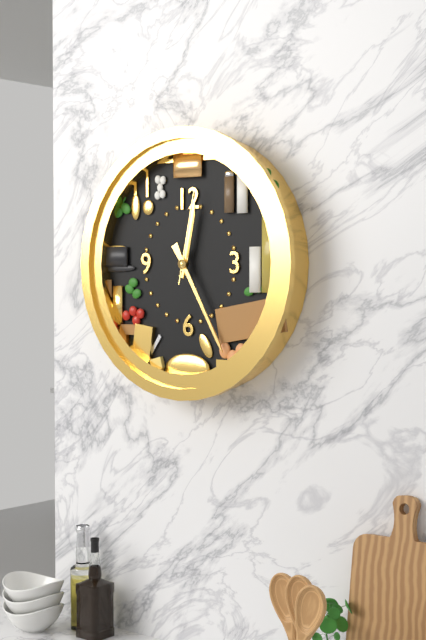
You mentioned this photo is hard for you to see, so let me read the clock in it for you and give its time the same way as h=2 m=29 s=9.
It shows h=12 m=25 s=2
